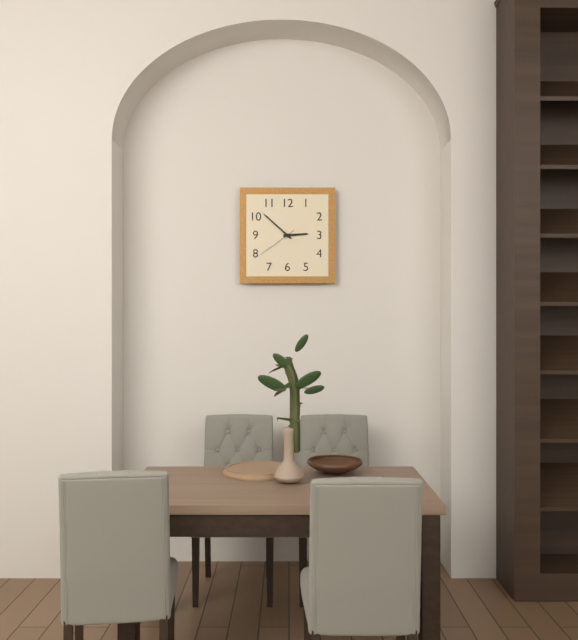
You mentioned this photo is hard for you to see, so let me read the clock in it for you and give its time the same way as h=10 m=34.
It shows h=2 m=52
